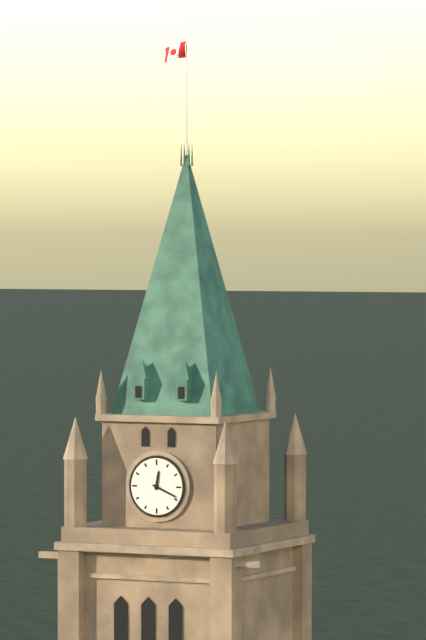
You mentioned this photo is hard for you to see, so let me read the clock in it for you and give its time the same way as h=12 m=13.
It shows h=12 m=19
